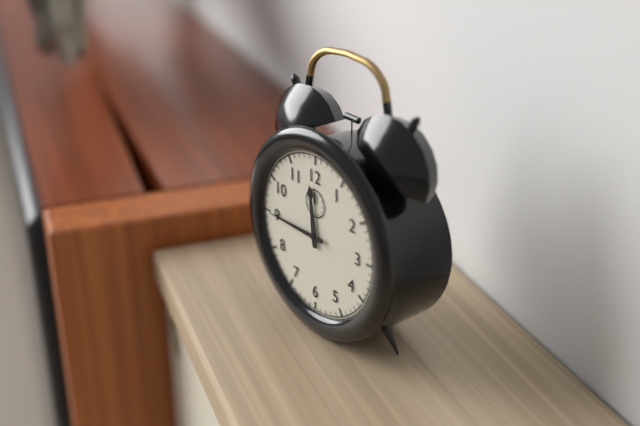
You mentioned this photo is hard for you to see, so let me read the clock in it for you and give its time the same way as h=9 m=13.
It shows h=11 m=45
